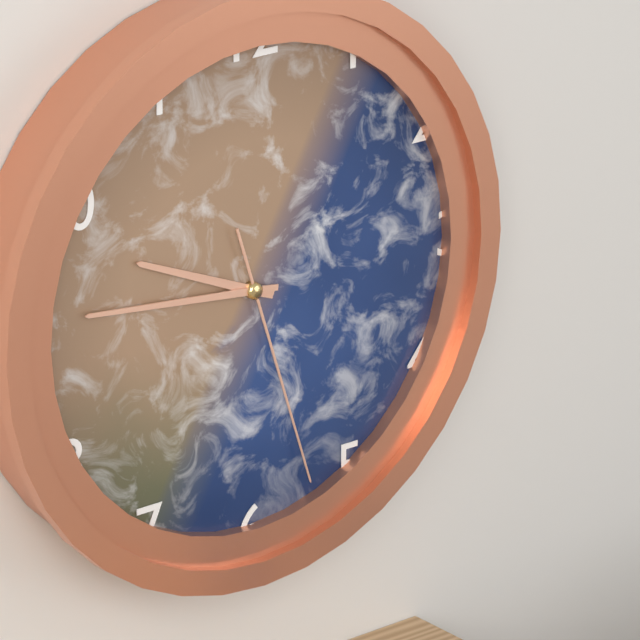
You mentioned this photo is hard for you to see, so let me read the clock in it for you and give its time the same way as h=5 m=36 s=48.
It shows h=9 m=46 s=27
